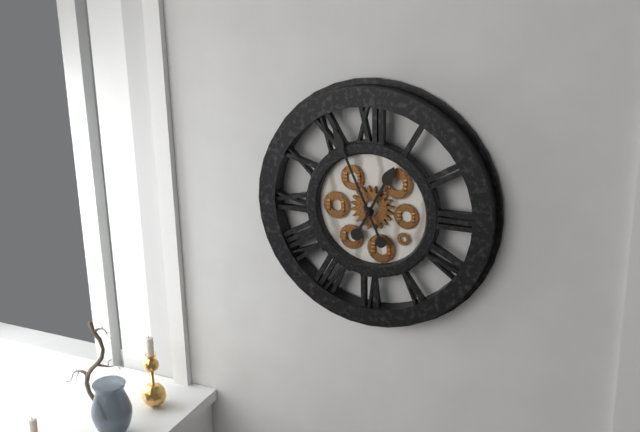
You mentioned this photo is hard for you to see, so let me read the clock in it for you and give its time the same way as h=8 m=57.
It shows h=12 m=56
